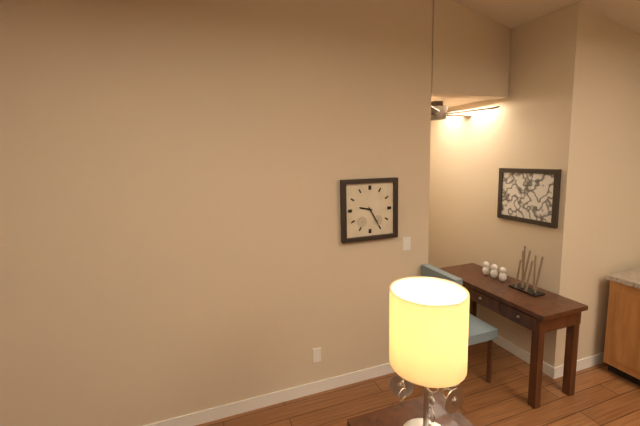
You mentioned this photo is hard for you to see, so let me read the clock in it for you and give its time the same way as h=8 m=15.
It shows h=9 m=25
